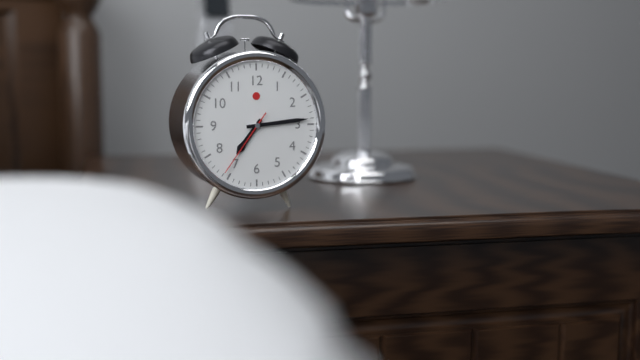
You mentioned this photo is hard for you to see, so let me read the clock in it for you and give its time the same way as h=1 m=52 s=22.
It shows h=7 m=14 s=36
